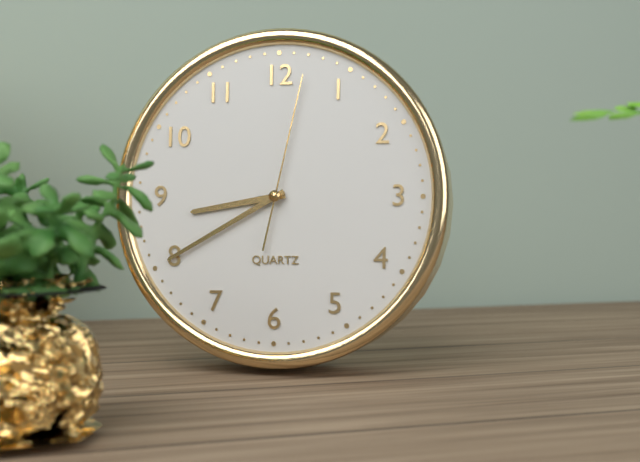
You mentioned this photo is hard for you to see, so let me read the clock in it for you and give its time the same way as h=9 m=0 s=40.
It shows h=8 m=40 s=2
